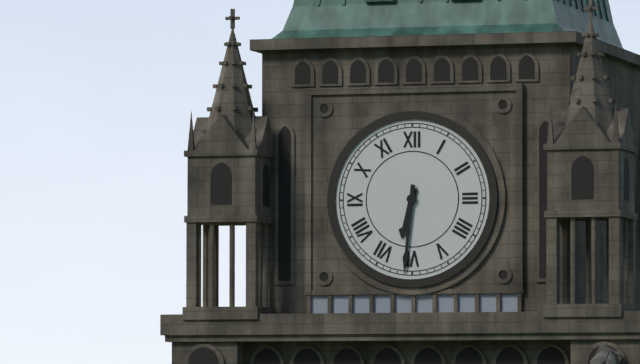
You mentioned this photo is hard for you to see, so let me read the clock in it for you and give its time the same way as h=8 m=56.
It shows h=6 m=31
